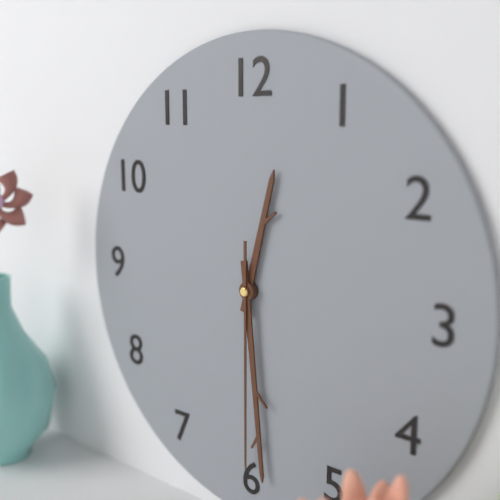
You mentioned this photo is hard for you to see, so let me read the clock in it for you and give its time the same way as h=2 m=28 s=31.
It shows h=12 m=29 s=30
